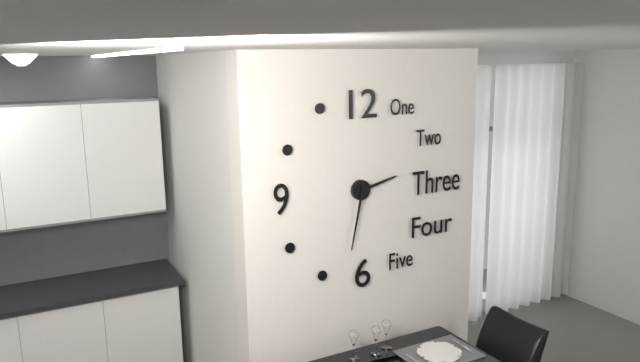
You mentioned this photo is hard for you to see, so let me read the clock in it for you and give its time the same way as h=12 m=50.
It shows h=2 m=32
